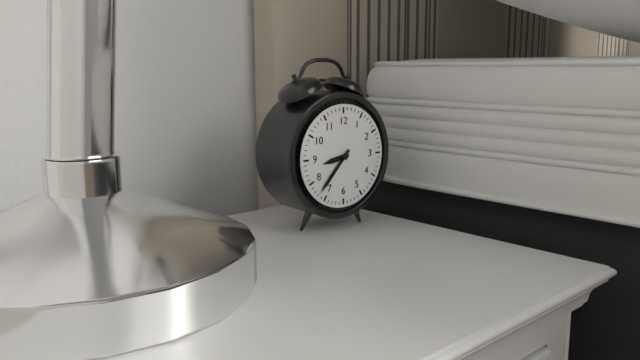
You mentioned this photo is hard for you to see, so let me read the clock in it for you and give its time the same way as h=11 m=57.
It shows h=8 m=37
